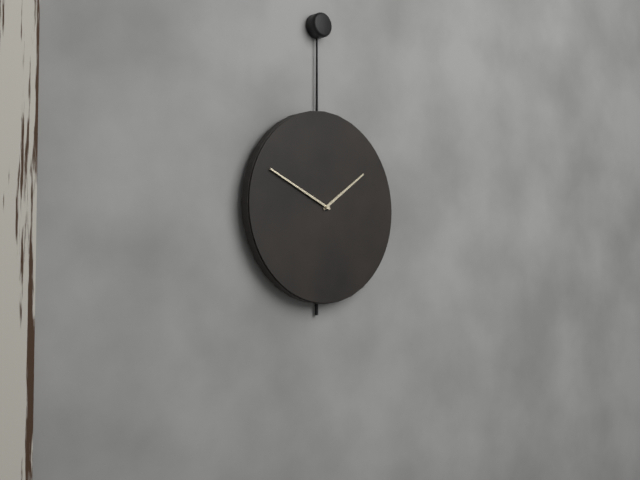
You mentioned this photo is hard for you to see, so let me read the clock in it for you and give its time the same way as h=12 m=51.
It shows h=1 m=49
